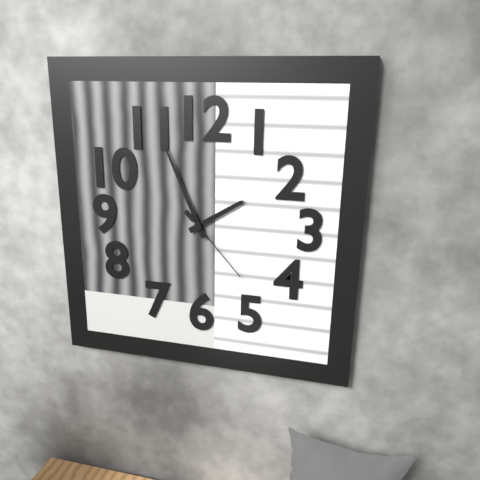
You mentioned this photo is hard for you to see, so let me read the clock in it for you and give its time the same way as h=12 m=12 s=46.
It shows h=1 m=56 s=23
